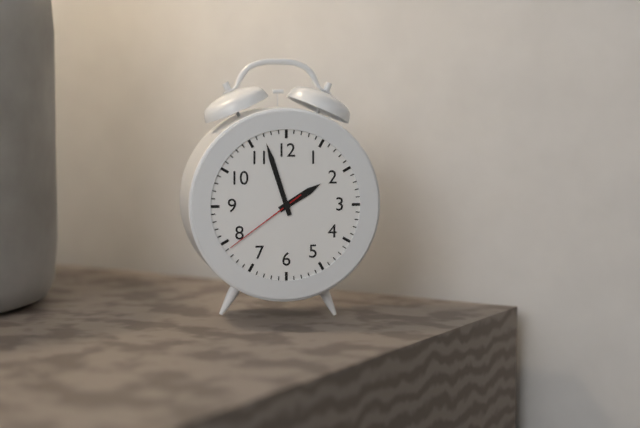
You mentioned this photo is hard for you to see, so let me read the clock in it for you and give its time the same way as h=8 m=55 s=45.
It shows h=1 m=57 s=39
